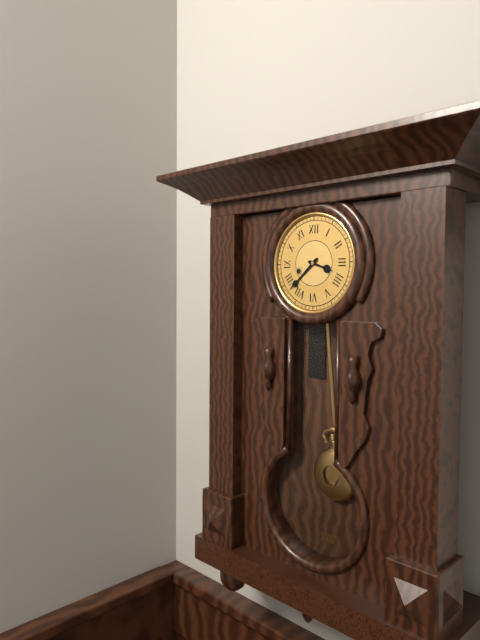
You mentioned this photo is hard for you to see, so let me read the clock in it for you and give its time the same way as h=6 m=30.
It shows h=3 m=38
